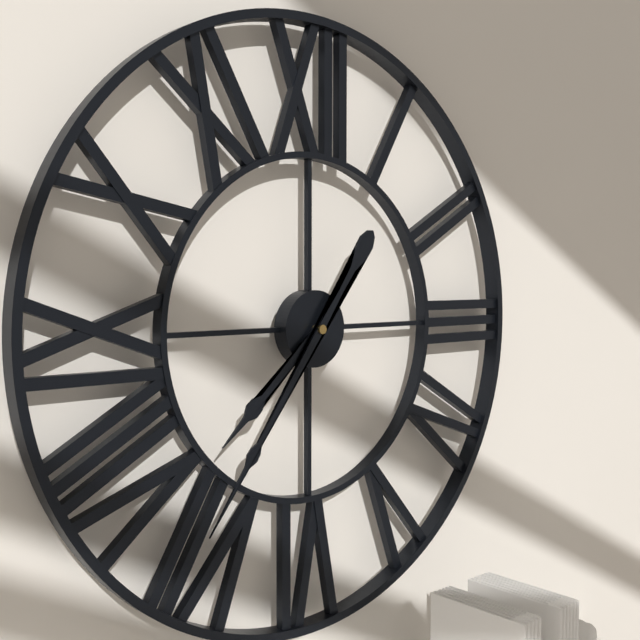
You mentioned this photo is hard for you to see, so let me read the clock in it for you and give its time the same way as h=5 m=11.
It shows h=7 m=36
